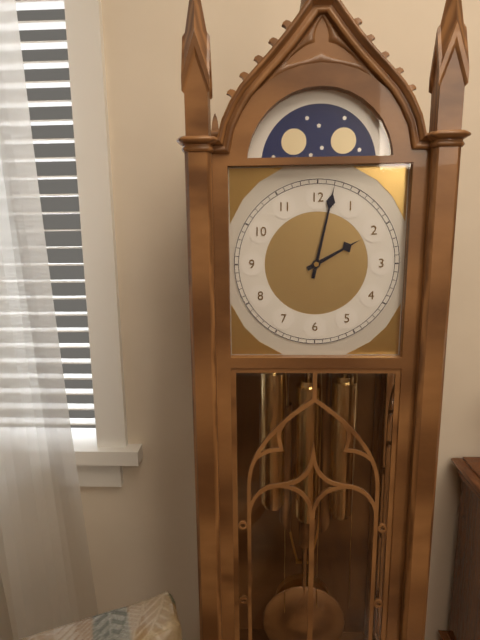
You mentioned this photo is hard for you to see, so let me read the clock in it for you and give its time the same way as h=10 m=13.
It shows h=2 m=2
